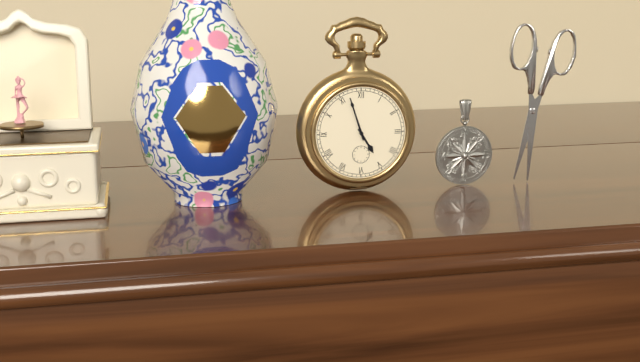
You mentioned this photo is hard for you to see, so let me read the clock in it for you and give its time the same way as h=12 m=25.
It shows h=4 m=57
